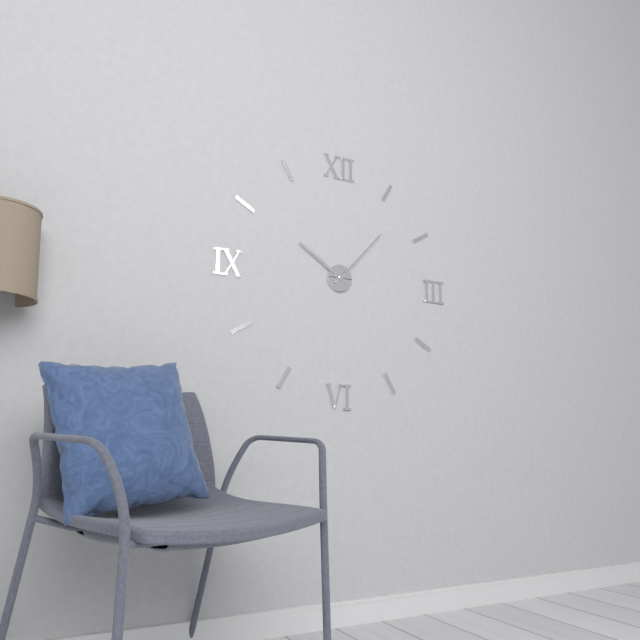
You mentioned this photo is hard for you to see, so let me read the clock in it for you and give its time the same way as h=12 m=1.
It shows h=10 m=7
